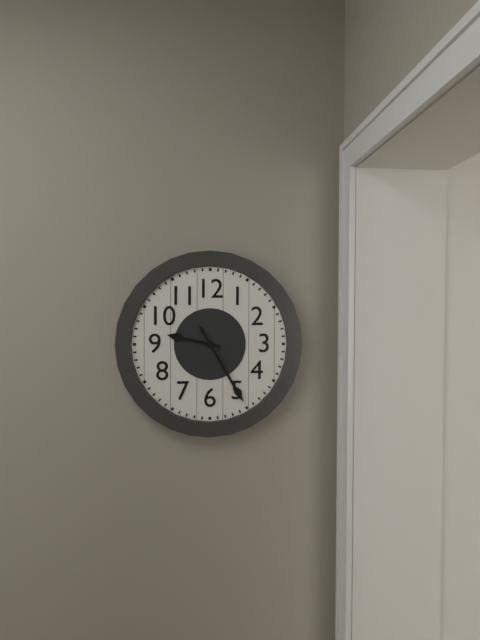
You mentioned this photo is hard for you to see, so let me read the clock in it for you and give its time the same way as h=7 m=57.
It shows h=9 m=25
